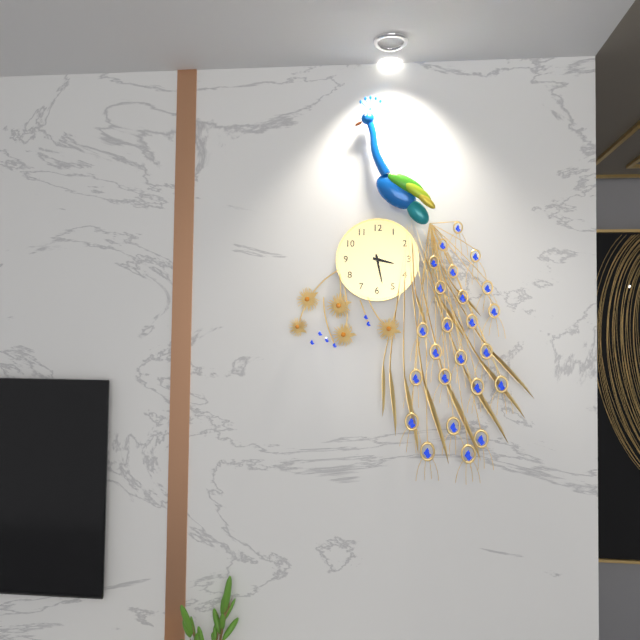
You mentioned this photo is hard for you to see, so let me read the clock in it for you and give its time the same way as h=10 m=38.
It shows h=3 m=28
